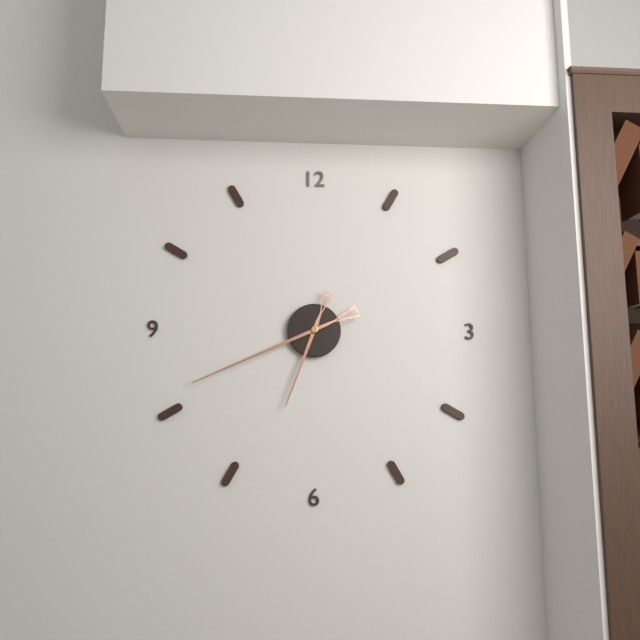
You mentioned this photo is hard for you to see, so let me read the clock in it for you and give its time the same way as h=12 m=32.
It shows h=6 m=41
